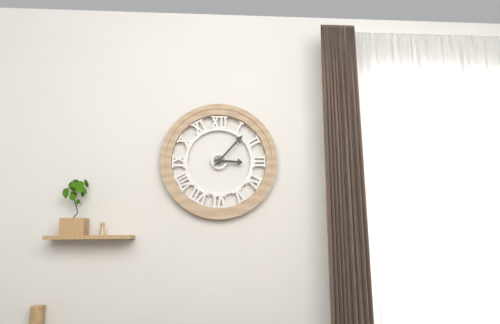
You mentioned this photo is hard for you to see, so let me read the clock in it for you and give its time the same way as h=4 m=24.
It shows h=3 m=7
